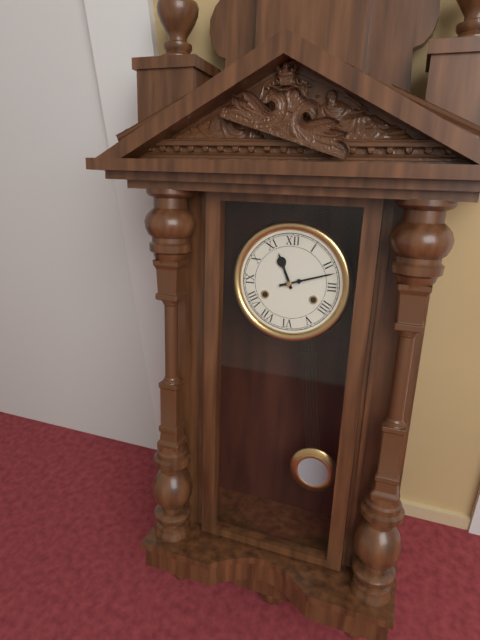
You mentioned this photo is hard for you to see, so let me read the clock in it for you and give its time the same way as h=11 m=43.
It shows h=11 m=12
